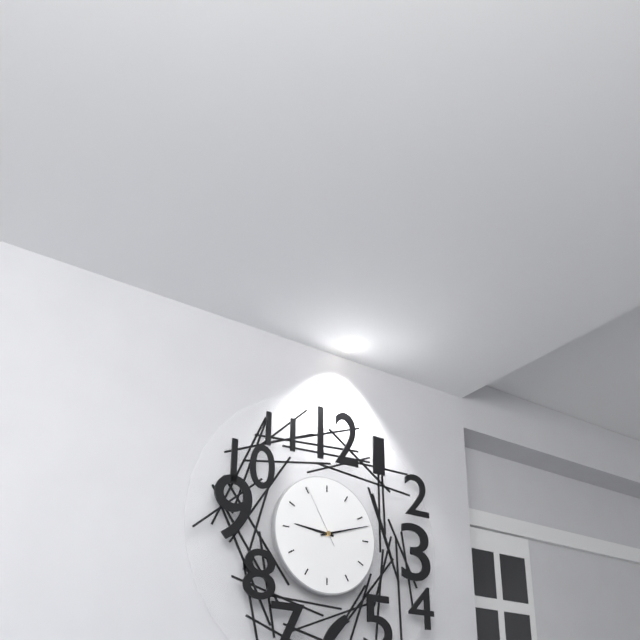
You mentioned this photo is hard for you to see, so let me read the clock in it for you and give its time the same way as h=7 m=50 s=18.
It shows h=9 m=12 s=55
